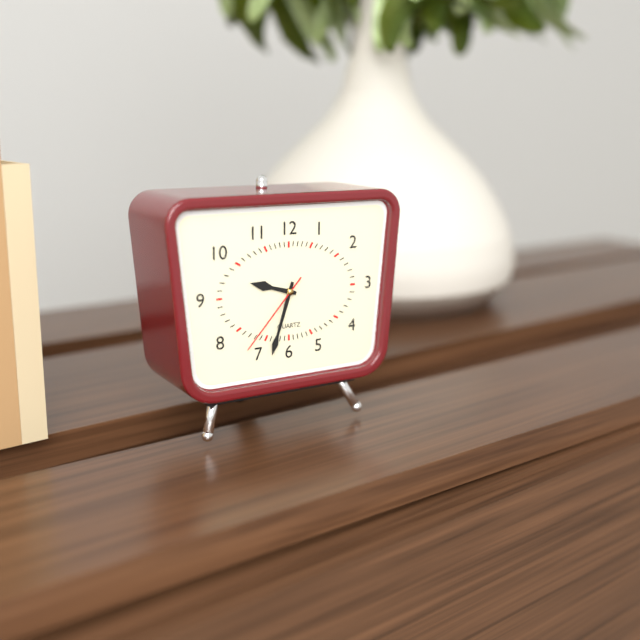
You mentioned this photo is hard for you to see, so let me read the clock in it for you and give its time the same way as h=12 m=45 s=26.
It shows h=9 m=33 s=37
